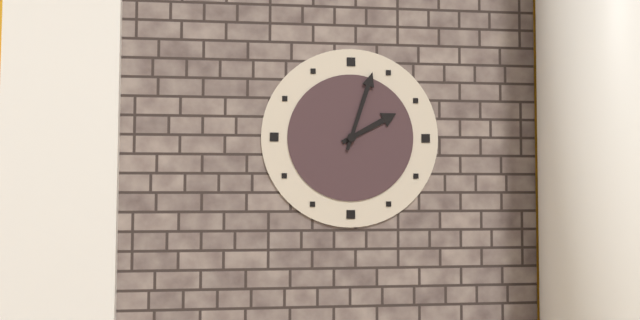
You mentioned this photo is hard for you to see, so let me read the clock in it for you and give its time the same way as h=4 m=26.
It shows h=2 m=3
